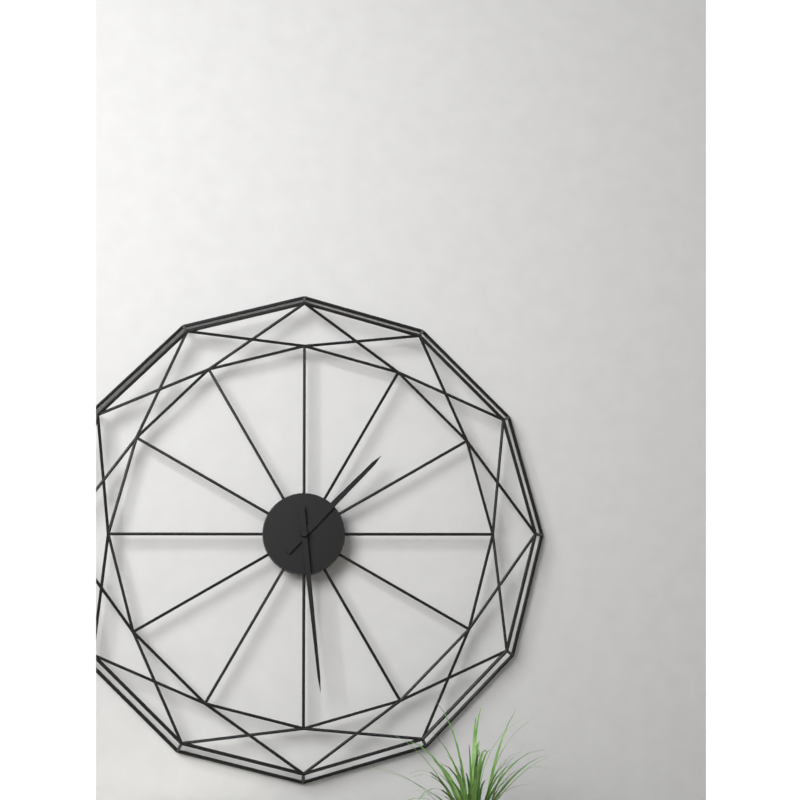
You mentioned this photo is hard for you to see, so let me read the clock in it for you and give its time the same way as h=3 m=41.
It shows h=1 m=29
